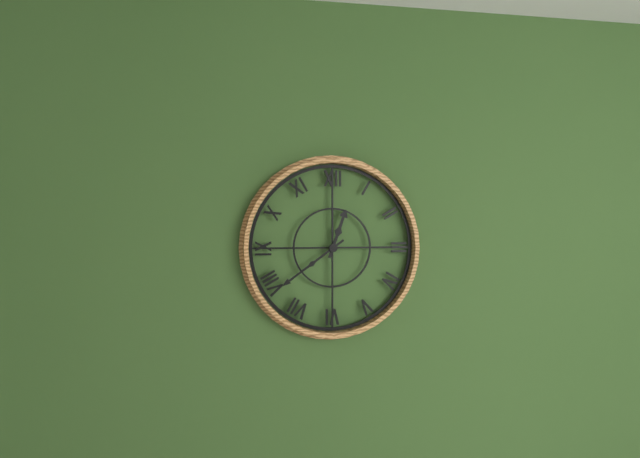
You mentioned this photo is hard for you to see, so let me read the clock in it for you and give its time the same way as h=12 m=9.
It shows h=12 m=39
